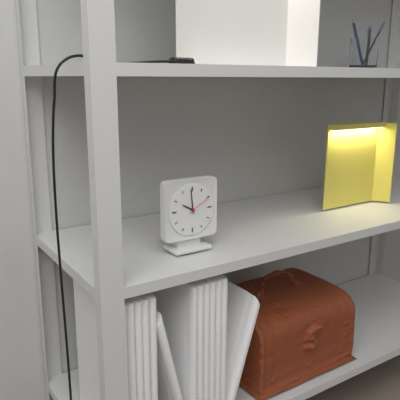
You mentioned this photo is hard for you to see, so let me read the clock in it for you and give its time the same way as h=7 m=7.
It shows h=9 m=59
